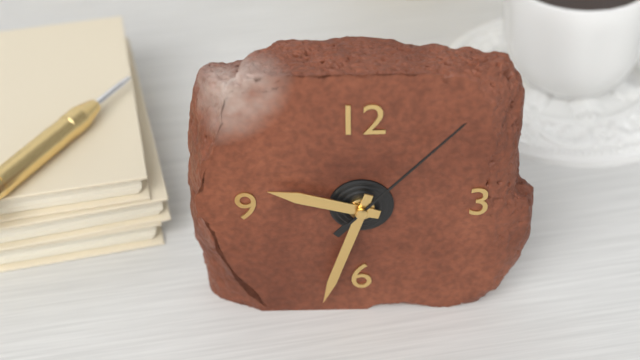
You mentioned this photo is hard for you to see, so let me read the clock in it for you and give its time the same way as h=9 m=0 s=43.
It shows h=9 m=33 s=7
